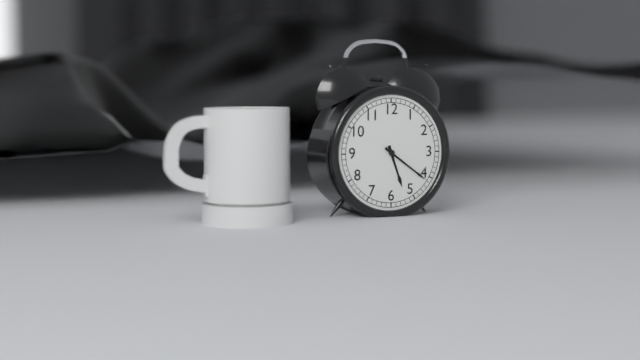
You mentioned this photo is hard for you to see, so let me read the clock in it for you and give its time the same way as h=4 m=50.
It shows h=5 m=21
